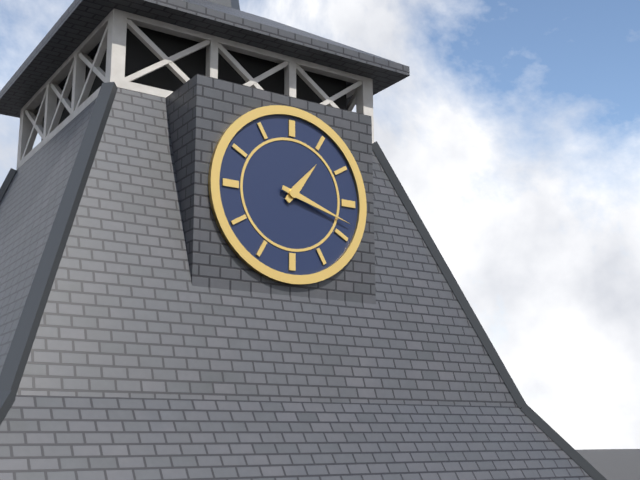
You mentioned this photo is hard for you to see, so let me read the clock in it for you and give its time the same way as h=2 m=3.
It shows h=1 m=18
